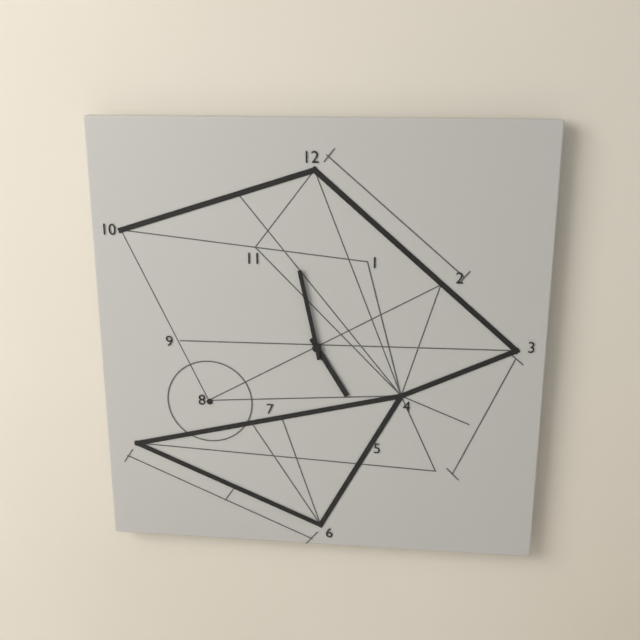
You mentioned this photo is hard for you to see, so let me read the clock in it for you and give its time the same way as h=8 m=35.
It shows h=4 m=58
